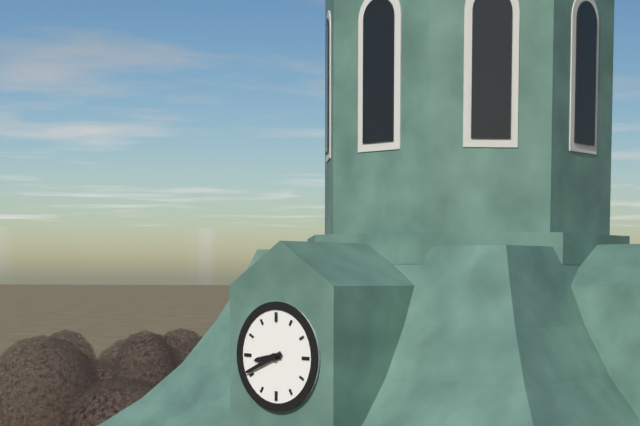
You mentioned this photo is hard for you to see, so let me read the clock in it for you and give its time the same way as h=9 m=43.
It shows h=8 m=41
